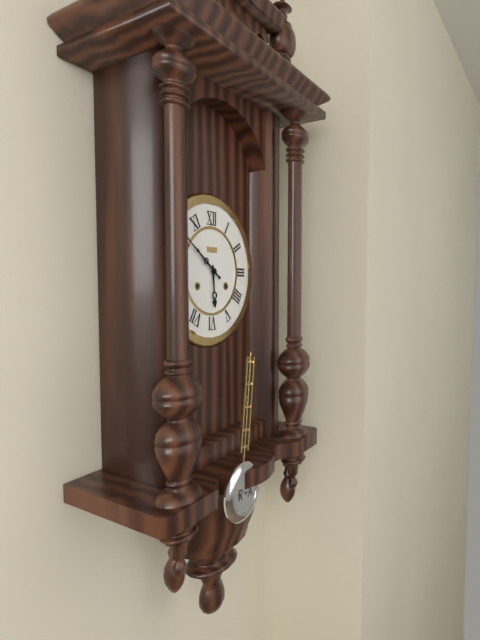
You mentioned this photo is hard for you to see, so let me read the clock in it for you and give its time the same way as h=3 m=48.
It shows h=5 m=51
